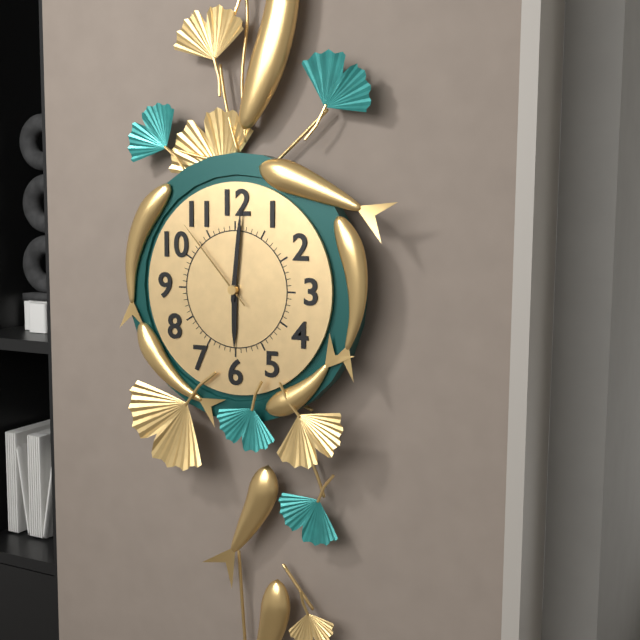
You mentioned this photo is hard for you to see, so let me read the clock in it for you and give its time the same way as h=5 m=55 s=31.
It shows h=6 m=1 s=53
